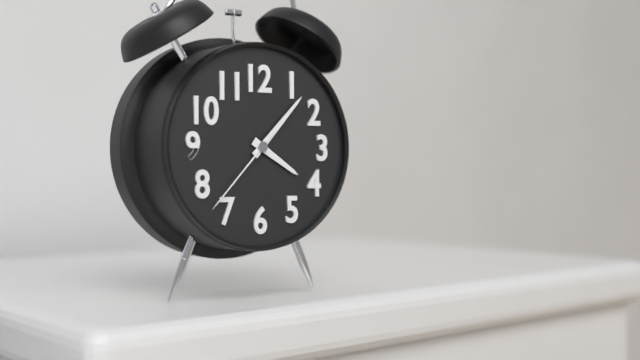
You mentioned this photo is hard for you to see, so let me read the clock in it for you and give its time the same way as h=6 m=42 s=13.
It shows h=4 m=7 s=37
